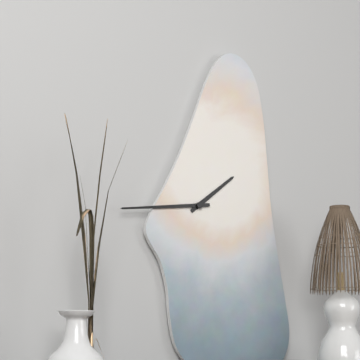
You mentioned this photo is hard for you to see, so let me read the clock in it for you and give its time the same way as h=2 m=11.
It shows h=1 m=44
